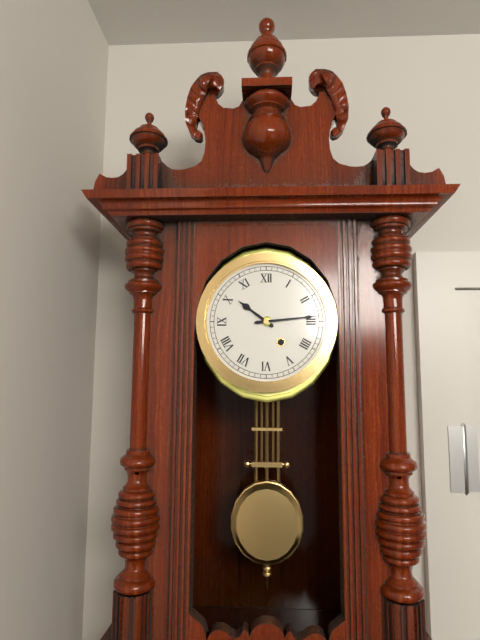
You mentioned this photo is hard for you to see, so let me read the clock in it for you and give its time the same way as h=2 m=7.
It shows h=10 m=14
